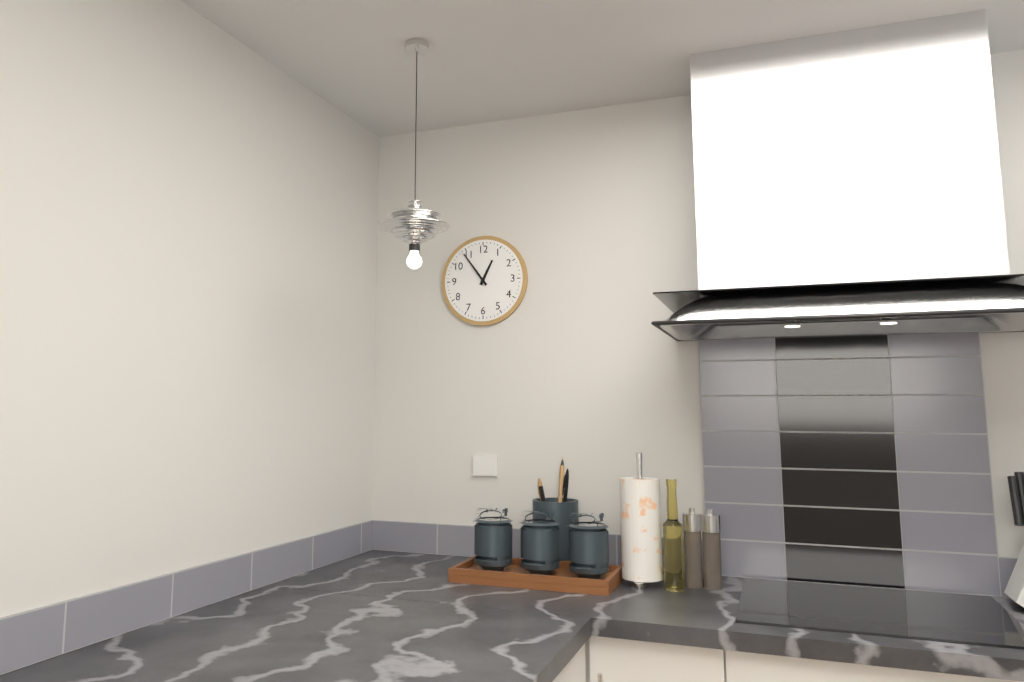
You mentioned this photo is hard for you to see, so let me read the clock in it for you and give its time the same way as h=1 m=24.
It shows h=12 m=54
